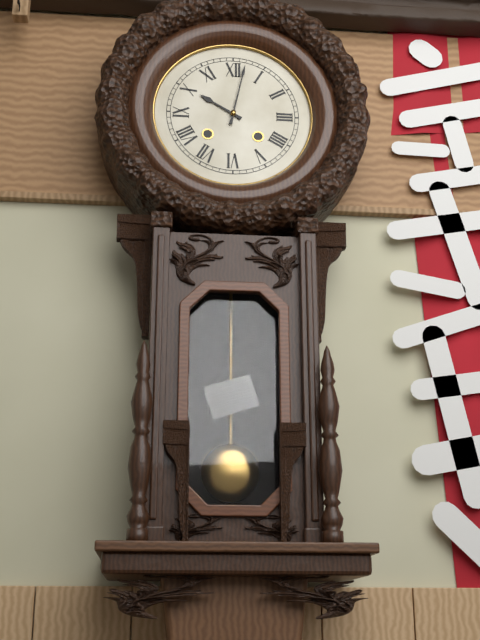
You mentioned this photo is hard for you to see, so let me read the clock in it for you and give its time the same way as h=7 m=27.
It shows h=10 m=2
